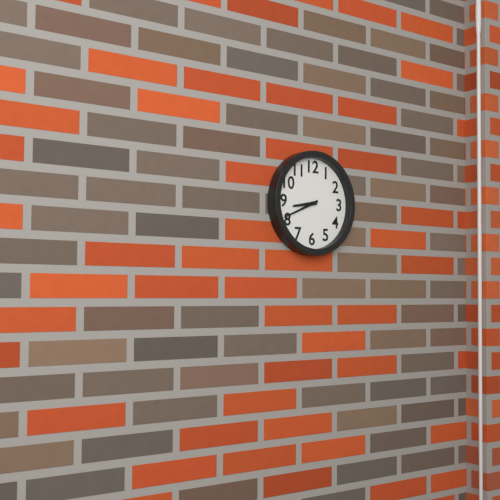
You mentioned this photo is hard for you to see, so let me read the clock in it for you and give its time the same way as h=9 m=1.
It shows h=8 m=41
